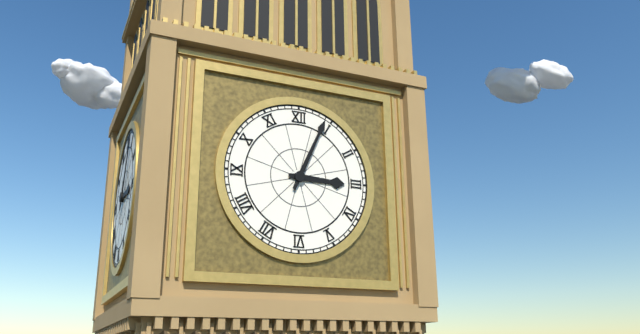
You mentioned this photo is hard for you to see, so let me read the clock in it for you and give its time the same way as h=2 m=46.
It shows h=3 m=4
